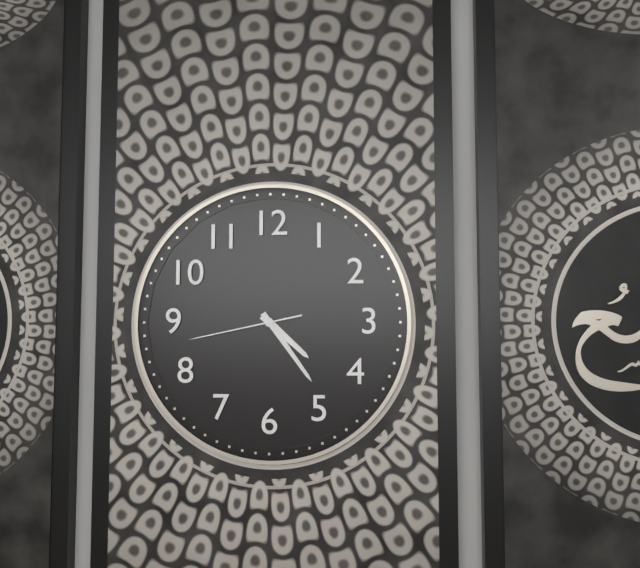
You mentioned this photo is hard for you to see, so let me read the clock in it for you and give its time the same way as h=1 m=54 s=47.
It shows h=4 m=24 s=43
